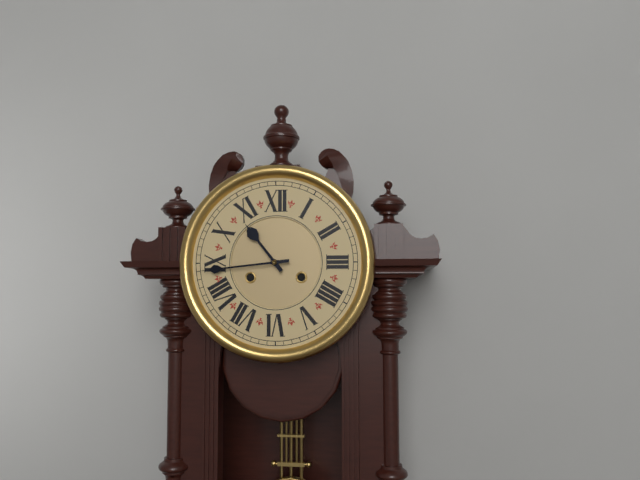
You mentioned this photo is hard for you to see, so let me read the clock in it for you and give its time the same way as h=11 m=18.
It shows h=10 m=44
